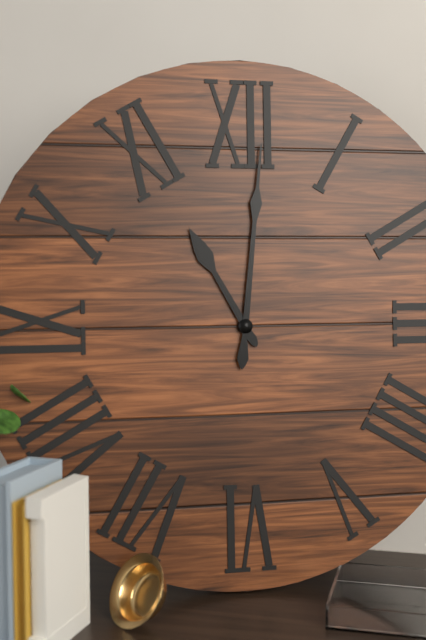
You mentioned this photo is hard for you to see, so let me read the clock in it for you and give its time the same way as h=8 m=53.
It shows h=11 m=1
